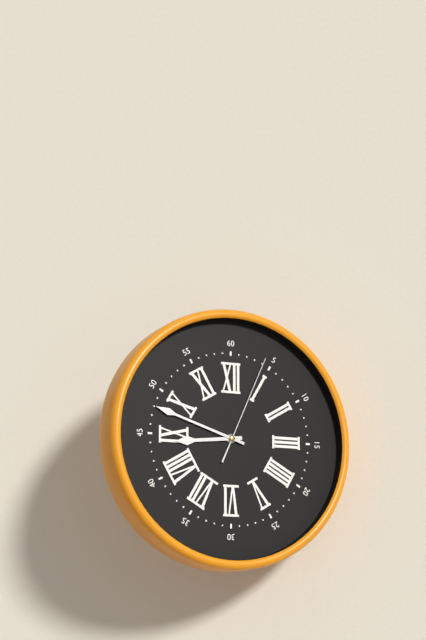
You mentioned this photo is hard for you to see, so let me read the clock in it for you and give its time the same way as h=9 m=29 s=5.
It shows h=8 m=48 s=4
